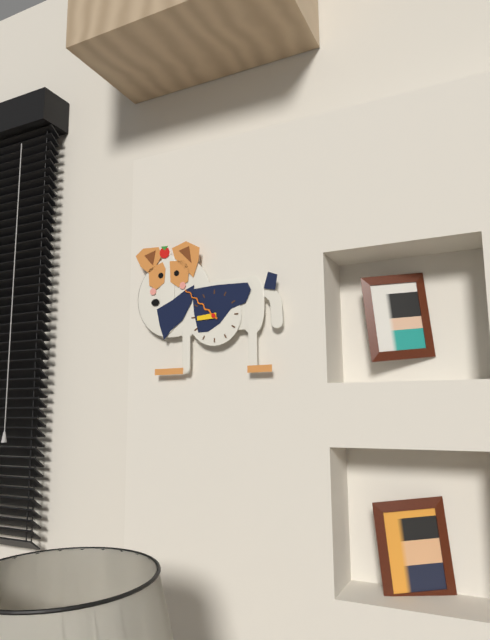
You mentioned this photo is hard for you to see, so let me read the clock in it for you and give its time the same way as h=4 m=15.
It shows h=8 m=52
